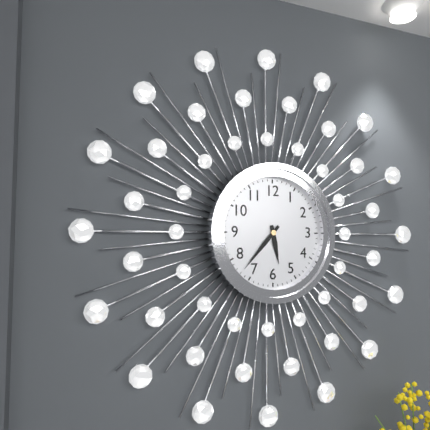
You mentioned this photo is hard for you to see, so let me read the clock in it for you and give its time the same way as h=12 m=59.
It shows h=5 m=37
